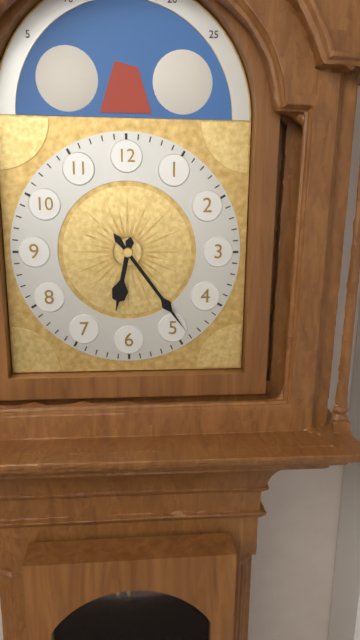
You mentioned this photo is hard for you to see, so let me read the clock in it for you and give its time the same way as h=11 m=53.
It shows h=6 m=24
